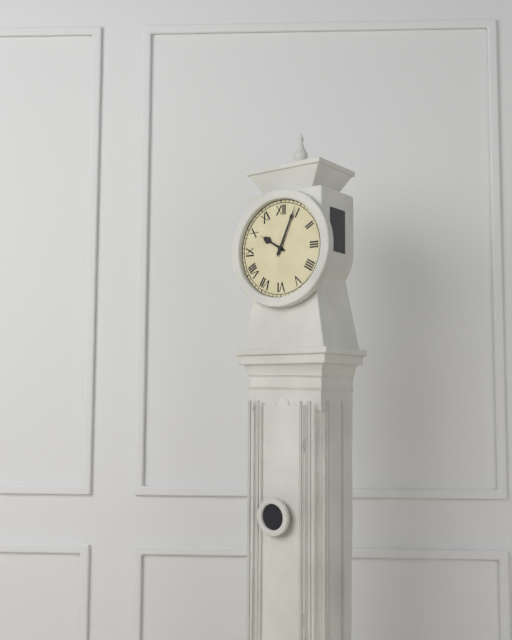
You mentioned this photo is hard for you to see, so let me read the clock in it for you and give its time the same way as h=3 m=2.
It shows h=10 m=4
